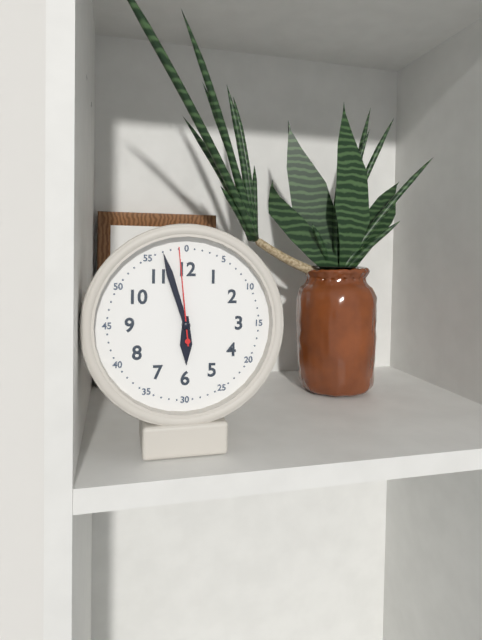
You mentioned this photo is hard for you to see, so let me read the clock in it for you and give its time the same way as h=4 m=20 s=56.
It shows h=5 m=57 s=59
